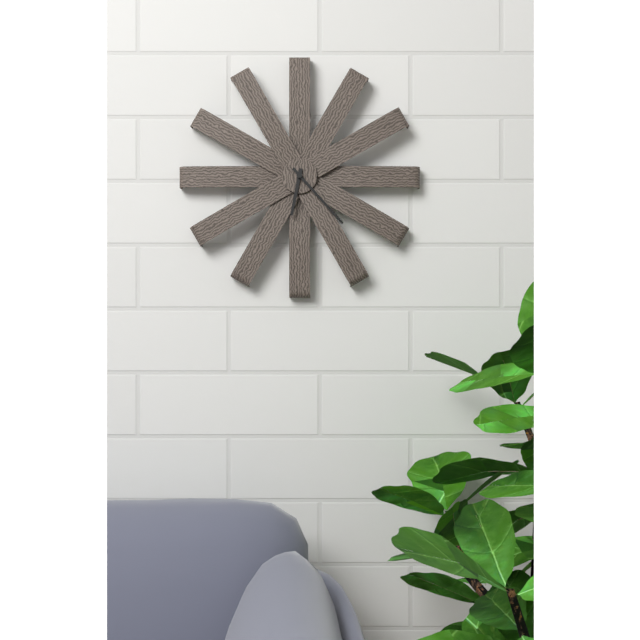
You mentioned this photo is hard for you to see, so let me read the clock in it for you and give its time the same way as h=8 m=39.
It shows h=6 m=23
